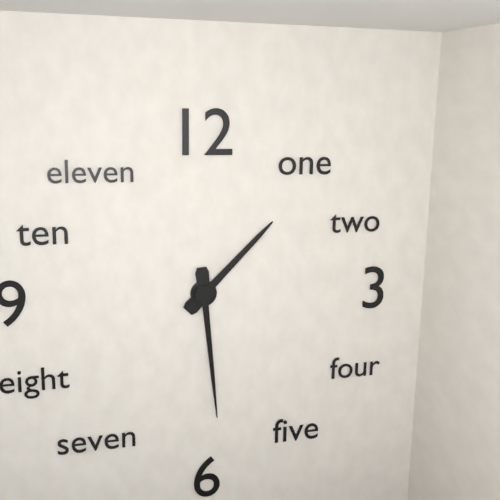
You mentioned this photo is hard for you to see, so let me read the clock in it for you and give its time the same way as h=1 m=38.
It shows h=1 m=29
